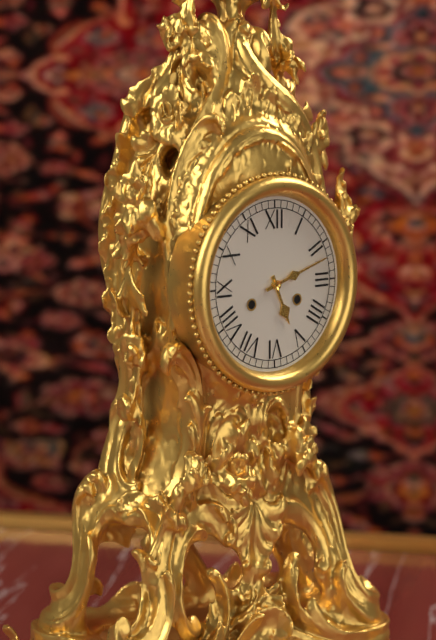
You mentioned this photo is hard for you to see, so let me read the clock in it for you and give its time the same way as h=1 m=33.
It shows h=5 m=12
